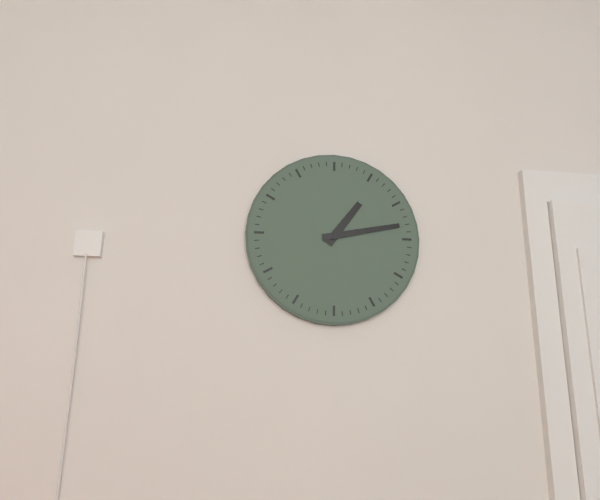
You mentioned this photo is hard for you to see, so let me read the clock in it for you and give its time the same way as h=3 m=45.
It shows h=1 m=13
